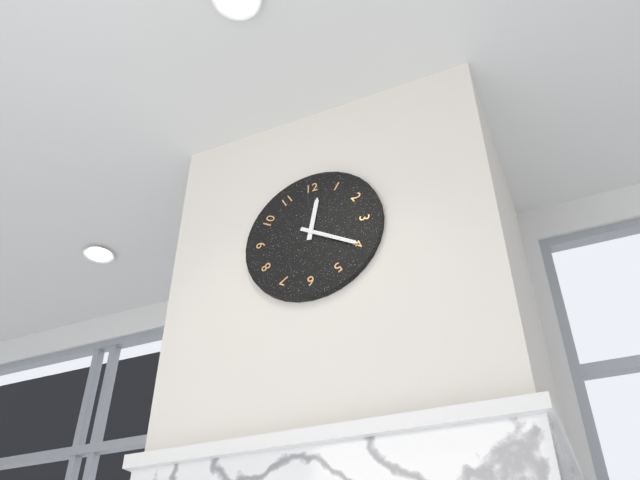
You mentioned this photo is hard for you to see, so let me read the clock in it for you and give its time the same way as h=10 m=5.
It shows h=12 m=20
